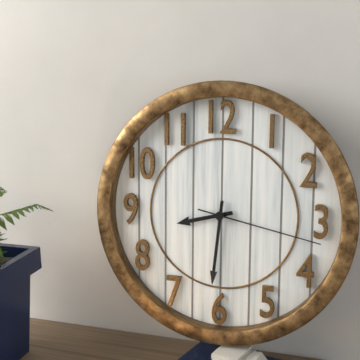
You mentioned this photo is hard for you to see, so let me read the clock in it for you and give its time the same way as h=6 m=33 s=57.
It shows h=8 m=31 s=17
